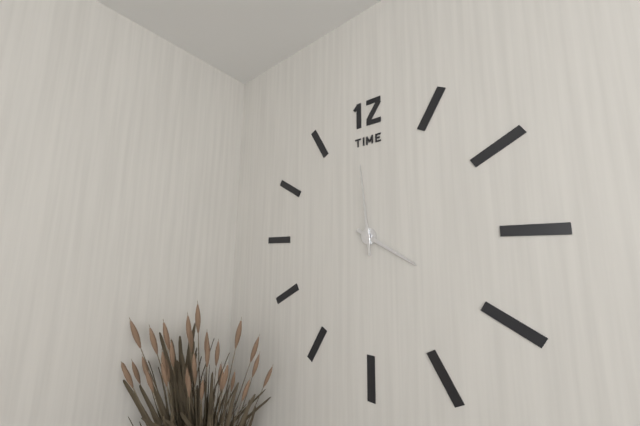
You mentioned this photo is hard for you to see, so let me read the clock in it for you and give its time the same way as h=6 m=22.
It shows h=3 m=59
